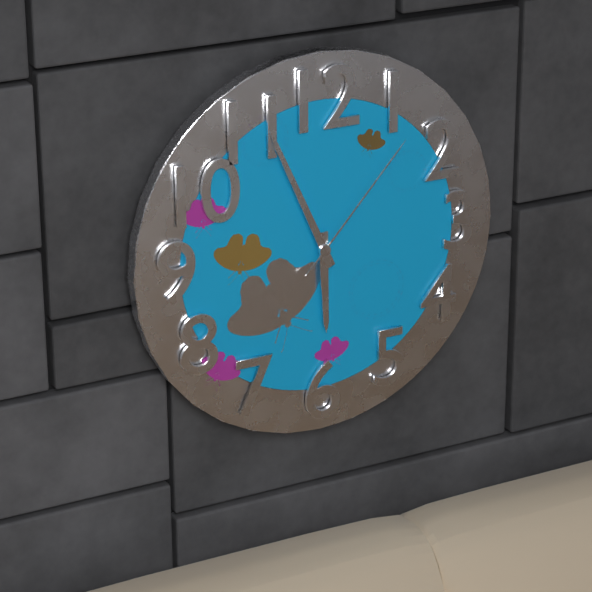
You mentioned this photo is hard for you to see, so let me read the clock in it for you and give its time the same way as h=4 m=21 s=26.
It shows h=5 m=56 s=7
